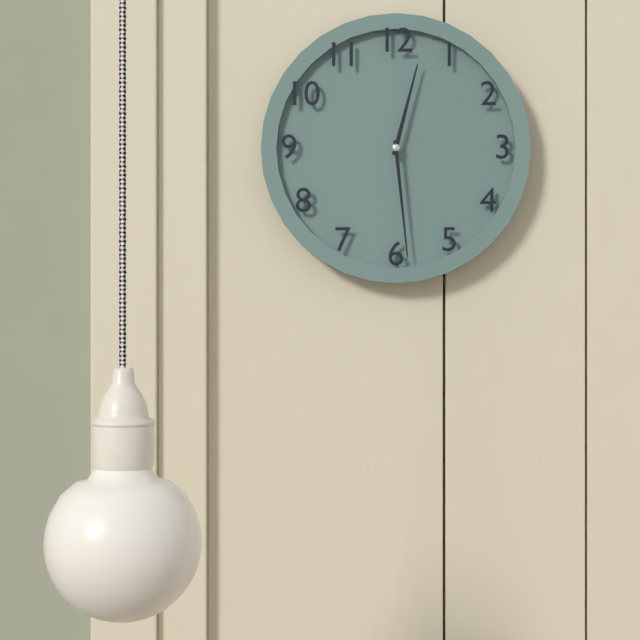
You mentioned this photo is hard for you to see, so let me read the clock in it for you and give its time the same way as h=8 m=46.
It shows h=12 m=29
